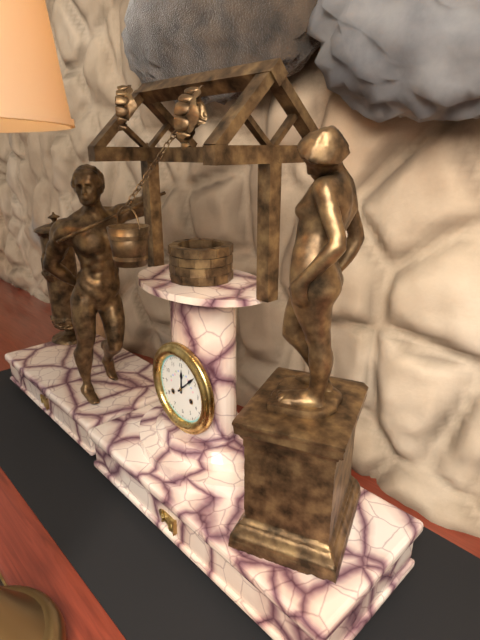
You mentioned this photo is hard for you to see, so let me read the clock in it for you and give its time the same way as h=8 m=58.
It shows h=12 m=8
